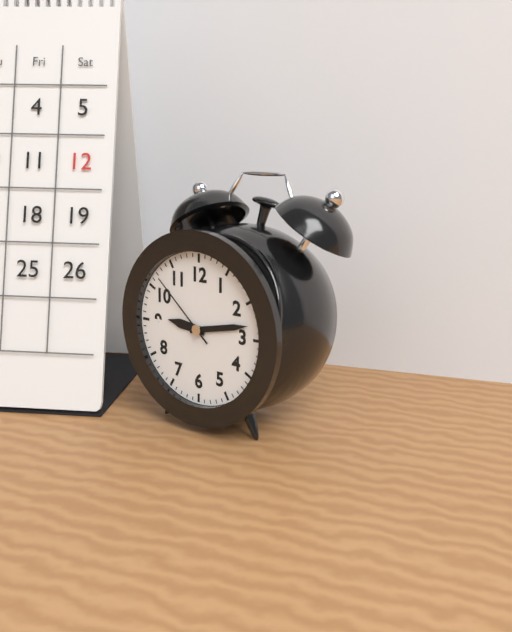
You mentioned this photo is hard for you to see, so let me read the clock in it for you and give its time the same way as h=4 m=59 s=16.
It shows h=9 m=13 s=52
